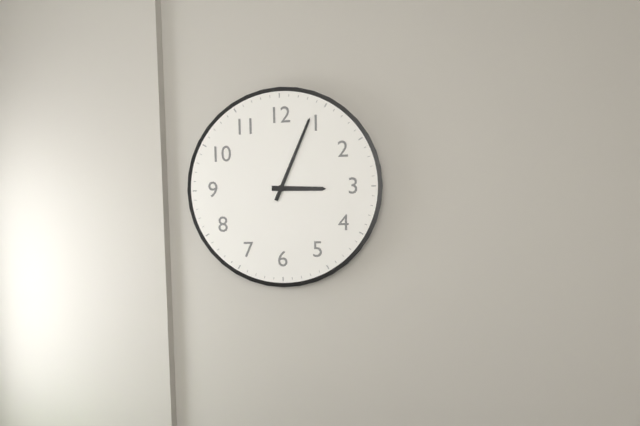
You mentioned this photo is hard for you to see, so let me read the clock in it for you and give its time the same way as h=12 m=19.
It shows h=3 m=4
